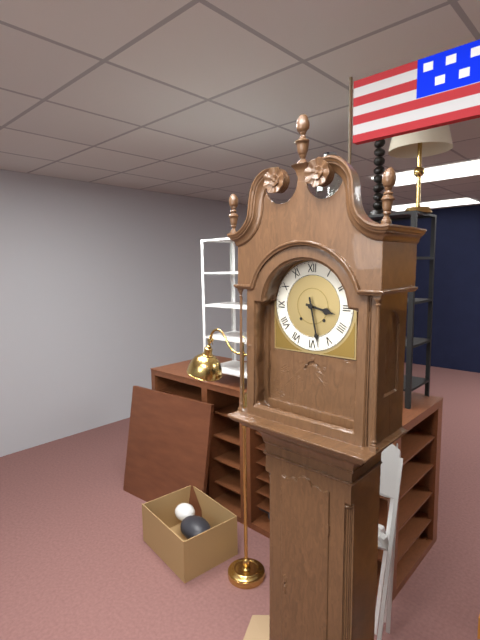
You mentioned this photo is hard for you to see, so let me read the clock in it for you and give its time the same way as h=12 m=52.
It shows h=3 m=28
